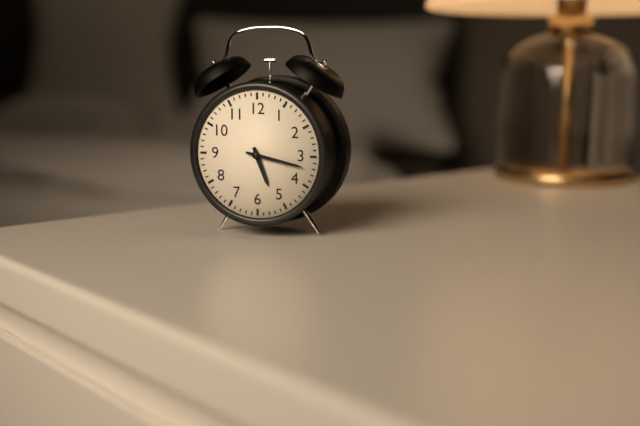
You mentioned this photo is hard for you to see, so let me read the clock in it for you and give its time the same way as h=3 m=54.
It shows h=5 m=17
